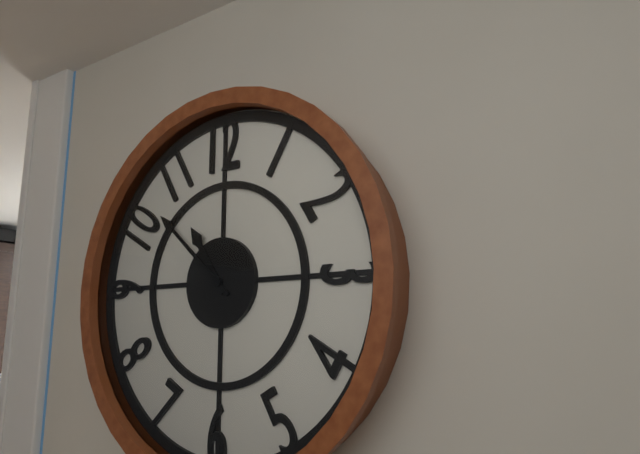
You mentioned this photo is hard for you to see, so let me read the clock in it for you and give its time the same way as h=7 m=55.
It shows h=10 m=52
